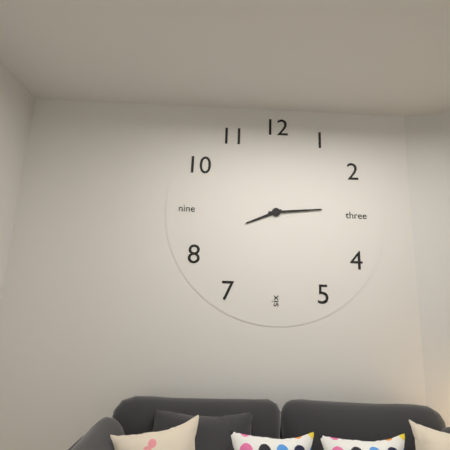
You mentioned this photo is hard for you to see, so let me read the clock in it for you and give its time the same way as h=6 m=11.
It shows h=8 m=14
